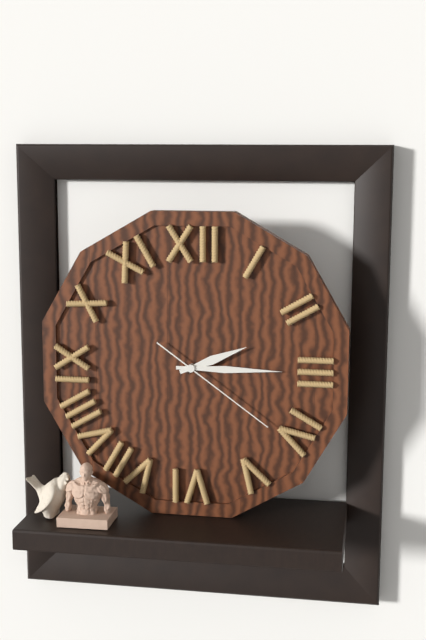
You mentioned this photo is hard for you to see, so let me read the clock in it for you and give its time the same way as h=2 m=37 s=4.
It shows h=2 m=15 s=21
